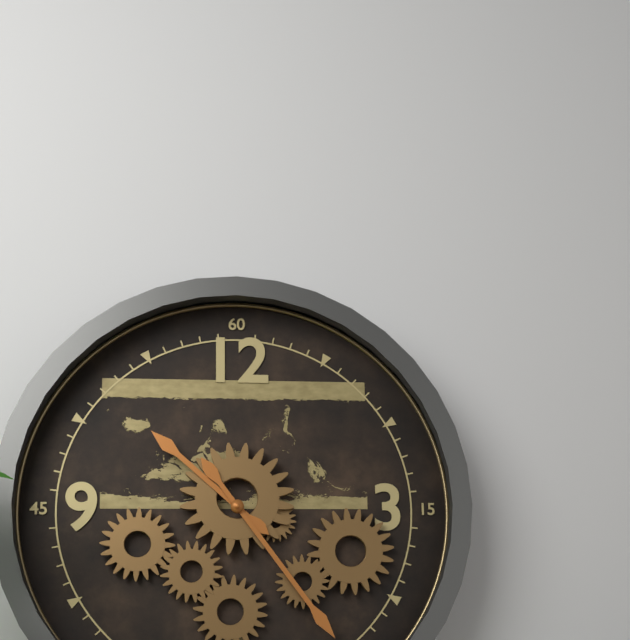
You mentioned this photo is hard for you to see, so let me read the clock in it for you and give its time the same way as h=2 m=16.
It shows h=10 m=24
